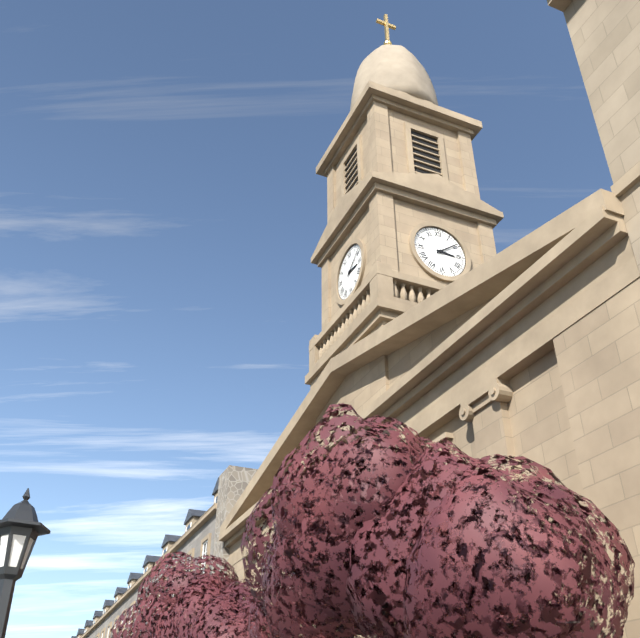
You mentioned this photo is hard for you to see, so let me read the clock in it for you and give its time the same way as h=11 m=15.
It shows h=3 m=9
